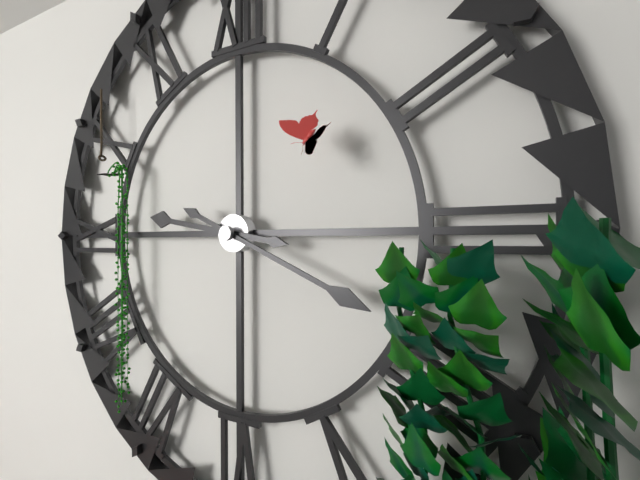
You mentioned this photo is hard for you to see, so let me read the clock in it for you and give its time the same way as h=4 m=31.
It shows h=9 m=19
